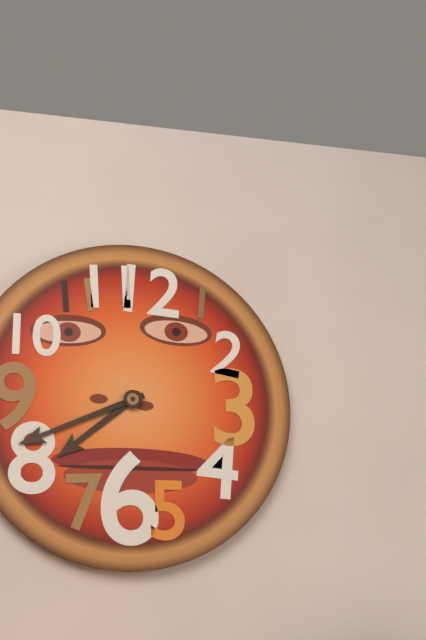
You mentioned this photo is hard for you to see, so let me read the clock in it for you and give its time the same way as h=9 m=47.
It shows h=7 m=41
